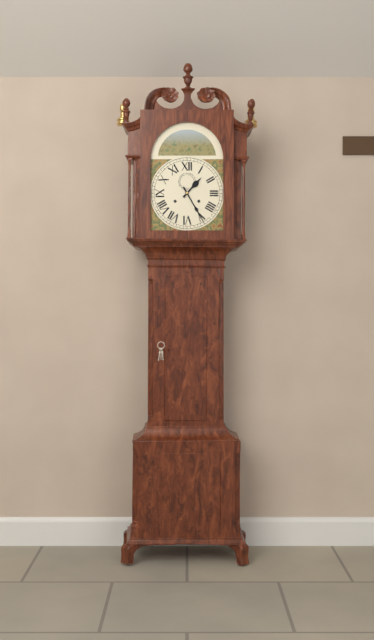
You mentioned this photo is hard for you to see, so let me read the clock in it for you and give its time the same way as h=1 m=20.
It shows h=1 m=25
